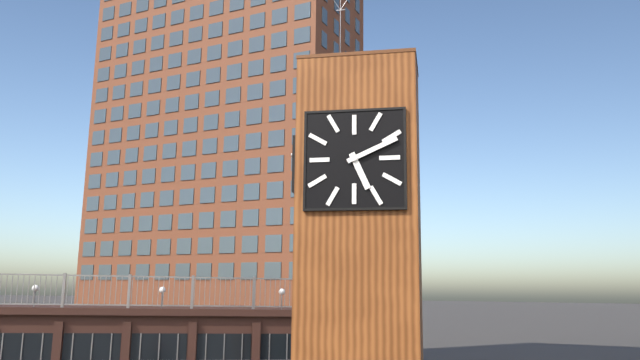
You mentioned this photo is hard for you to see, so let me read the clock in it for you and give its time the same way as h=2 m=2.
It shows h=5 m=11
